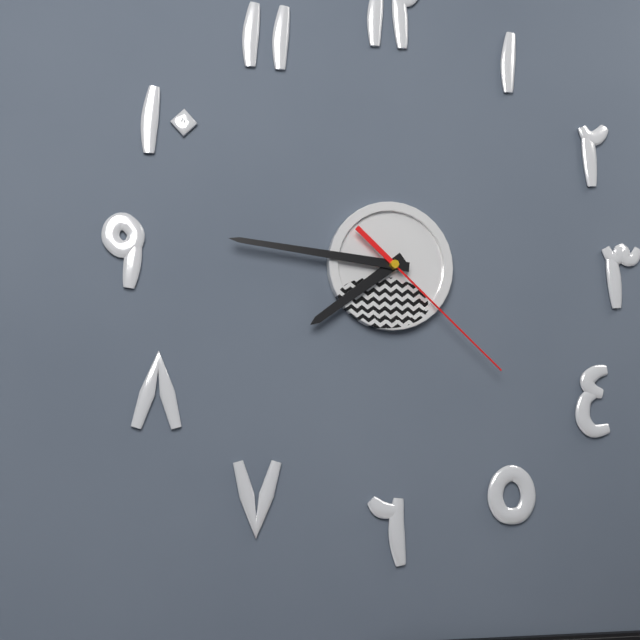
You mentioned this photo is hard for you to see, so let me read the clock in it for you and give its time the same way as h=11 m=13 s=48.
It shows h=7 m=46 s=22
